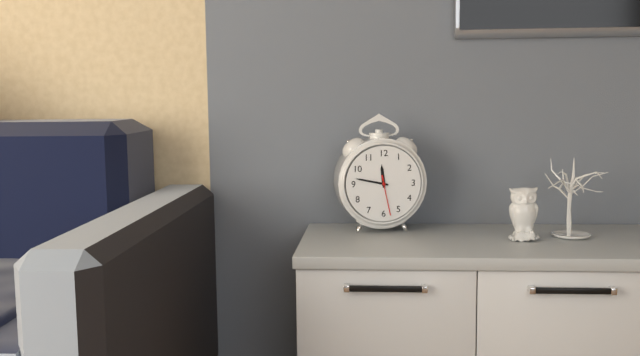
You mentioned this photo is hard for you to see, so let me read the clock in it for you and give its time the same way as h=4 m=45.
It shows h=11 m=47
